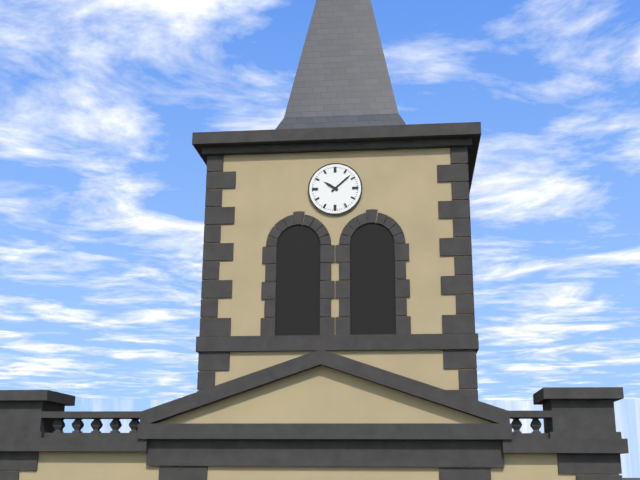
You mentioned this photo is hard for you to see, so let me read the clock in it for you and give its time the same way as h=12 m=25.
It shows h=10 m=8
